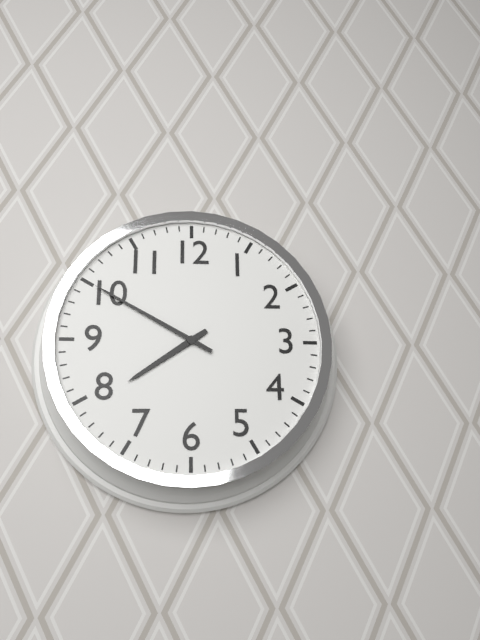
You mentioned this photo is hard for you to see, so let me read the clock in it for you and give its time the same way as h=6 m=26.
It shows h=7 m=50
